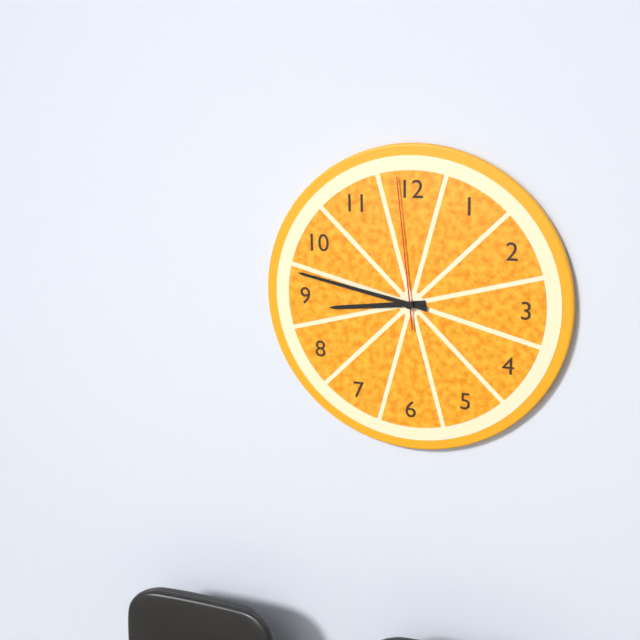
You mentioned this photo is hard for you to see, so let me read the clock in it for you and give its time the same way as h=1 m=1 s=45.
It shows h=8 m=47 s=59
